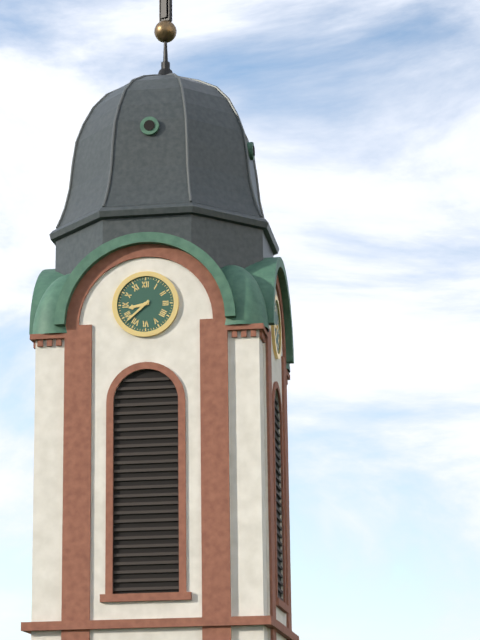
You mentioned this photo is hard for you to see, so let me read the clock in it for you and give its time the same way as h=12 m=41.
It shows h=8 m=38
